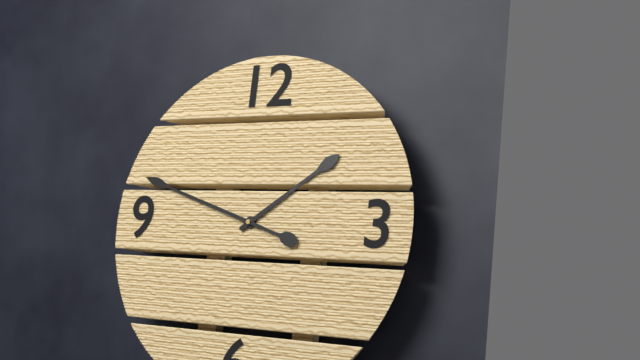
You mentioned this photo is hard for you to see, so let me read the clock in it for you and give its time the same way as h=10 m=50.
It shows h=1 m=48
